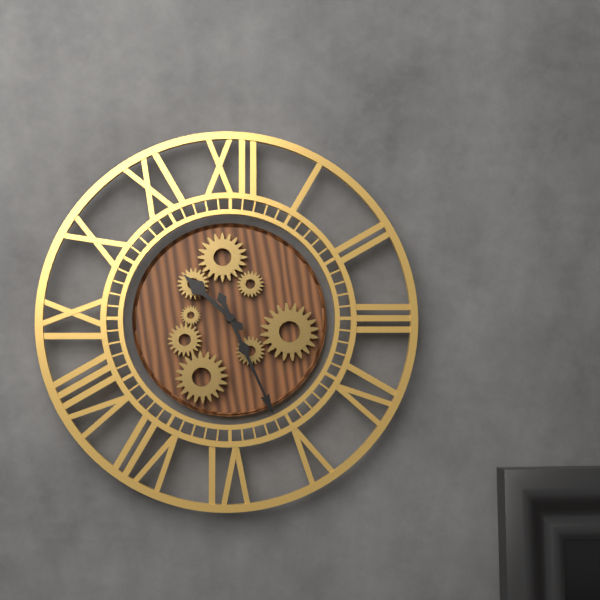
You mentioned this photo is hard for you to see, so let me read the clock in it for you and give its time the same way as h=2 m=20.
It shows h=10 m=26
